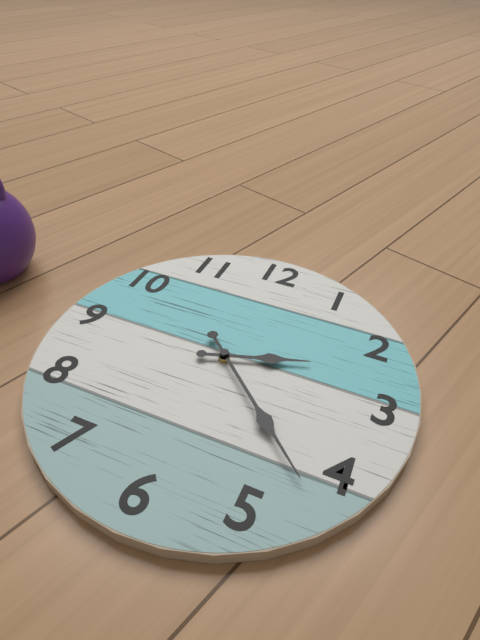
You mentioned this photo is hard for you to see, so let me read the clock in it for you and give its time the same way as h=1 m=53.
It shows h=2 m=22
